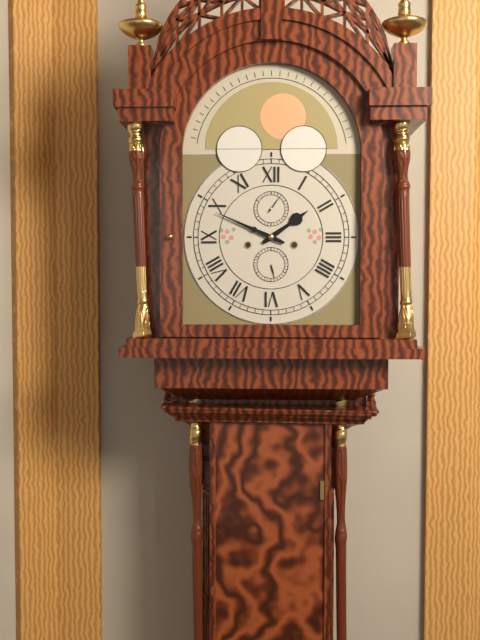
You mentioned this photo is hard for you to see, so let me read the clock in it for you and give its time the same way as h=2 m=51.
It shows h=1 m=49
